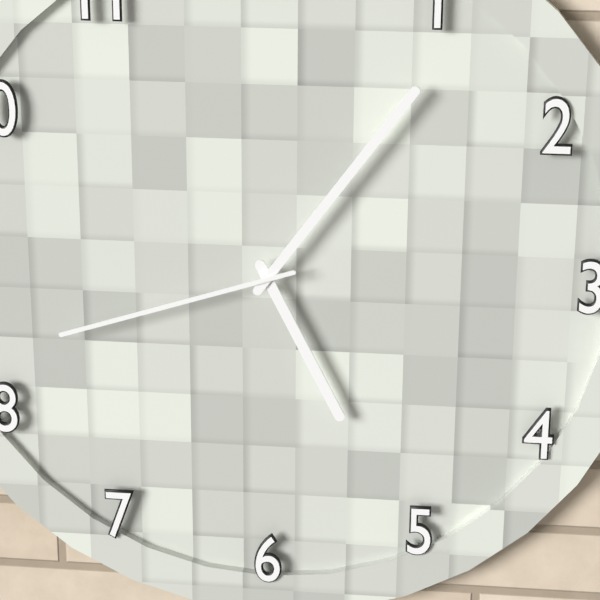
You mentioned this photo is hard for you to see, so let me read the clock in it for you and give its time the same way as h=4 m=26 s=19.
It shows h=5 m=6 s=42
